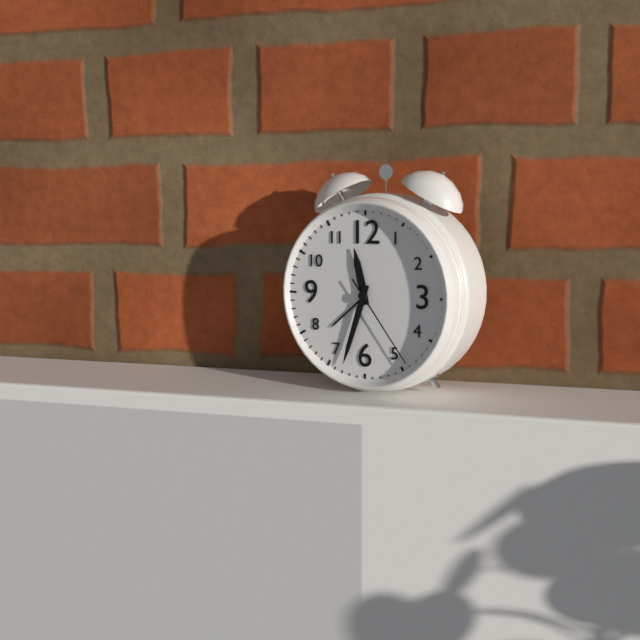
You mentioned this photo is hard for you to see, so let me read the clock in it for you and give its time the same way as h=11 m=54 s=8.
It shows h=11 m=33 s=24
